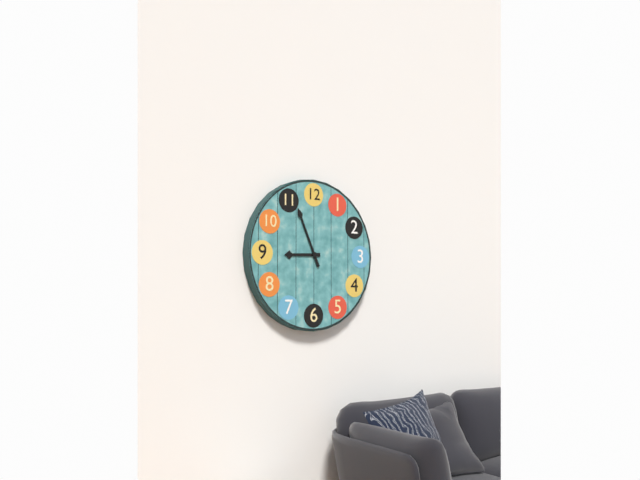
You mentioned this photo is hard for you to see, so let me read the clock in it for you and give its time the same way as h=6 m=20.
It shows h=8 m=56
